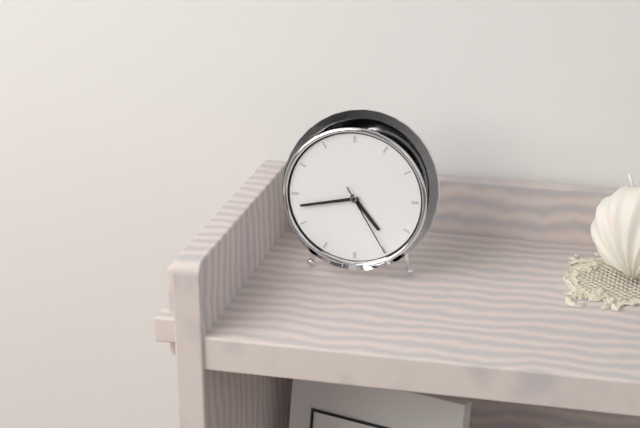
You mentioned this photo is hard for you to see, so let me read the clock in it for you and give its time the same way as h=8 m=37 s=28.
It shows h=4 m=43 s=25
